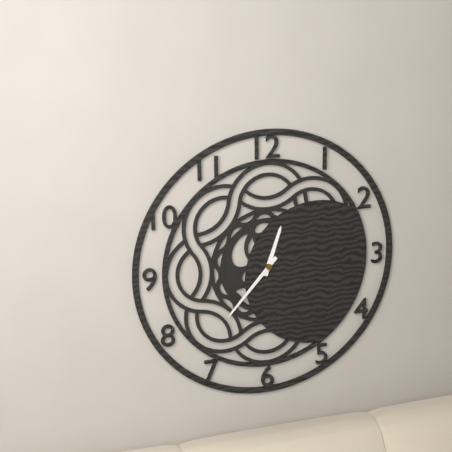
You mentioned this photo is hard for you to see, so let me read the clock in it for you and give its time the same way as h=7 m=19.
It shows h=12 m=37
